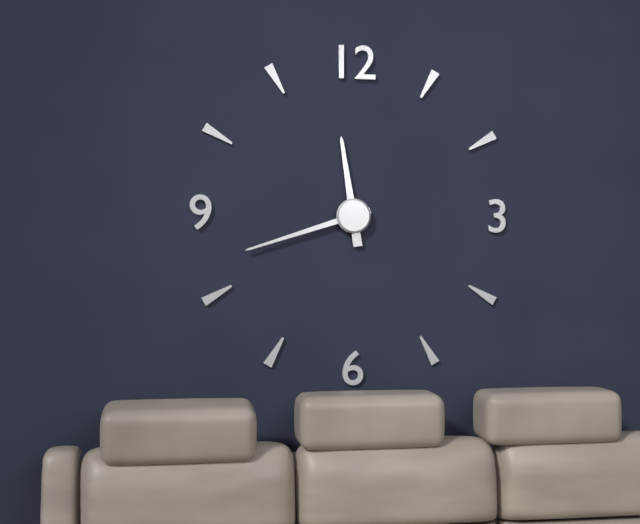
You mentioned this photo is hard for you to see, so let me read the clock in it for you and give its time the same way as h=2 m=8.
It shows h=11 m=42
